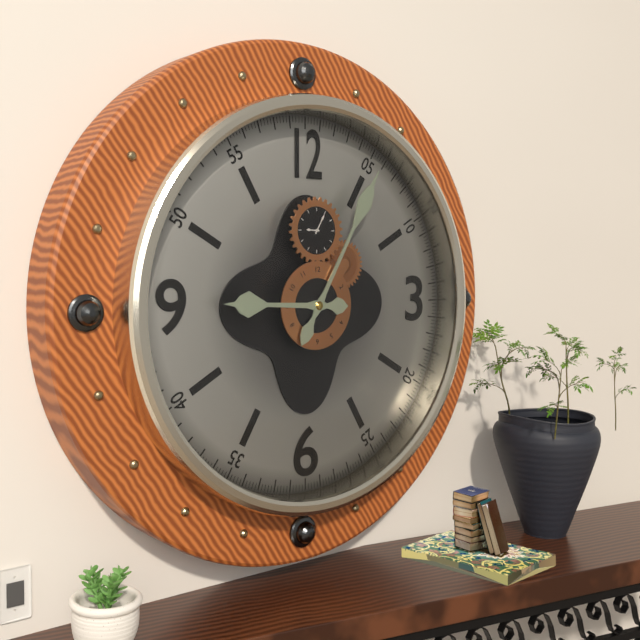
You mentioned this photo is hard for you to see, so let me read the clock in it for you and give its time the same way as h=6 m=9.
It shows h=9 m=5
